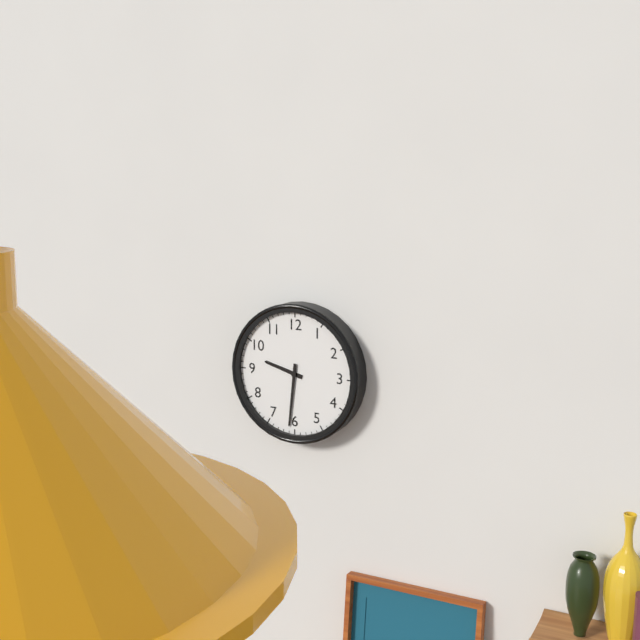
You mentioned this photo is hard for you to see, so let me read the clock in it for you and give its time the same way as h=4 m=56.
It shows h=9 m=31
